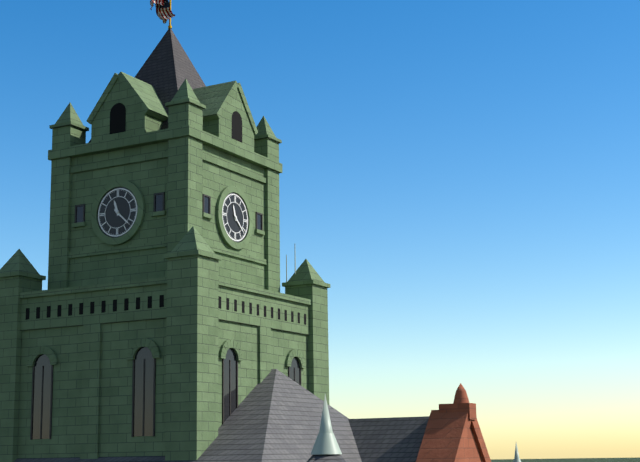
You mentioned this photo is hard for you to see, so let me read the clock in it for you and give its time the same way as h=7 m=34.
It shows h=11 m=22
